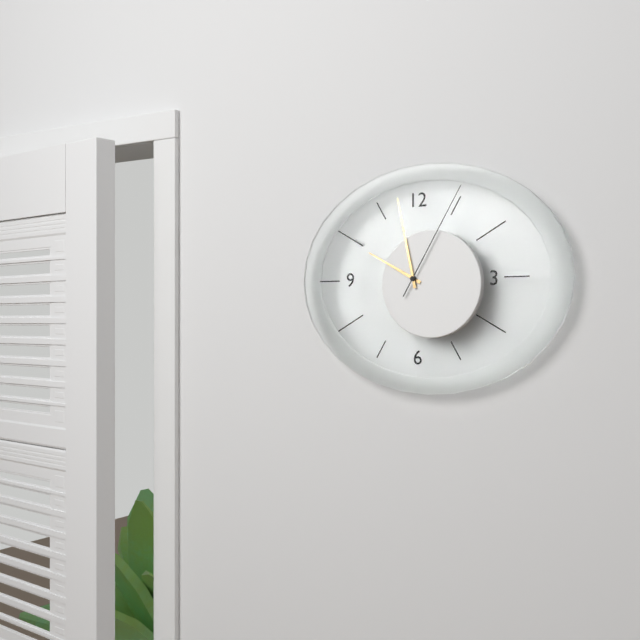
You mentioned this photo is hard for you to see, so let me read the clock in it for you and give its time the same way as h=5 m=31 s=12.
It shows h=9 m=58 s=5
